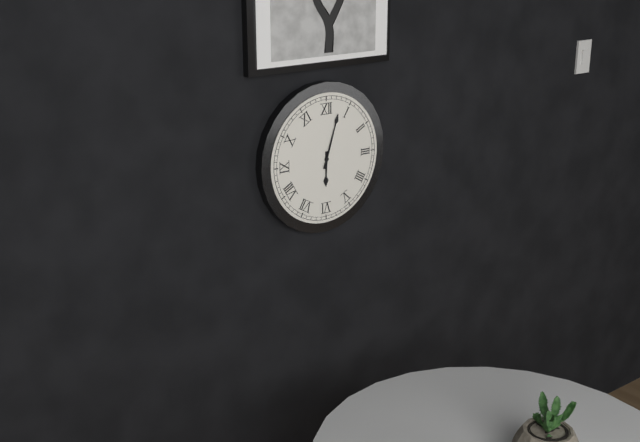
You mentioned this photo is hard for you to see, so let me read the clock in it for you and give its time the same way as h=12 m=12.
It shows h=6 m=3
